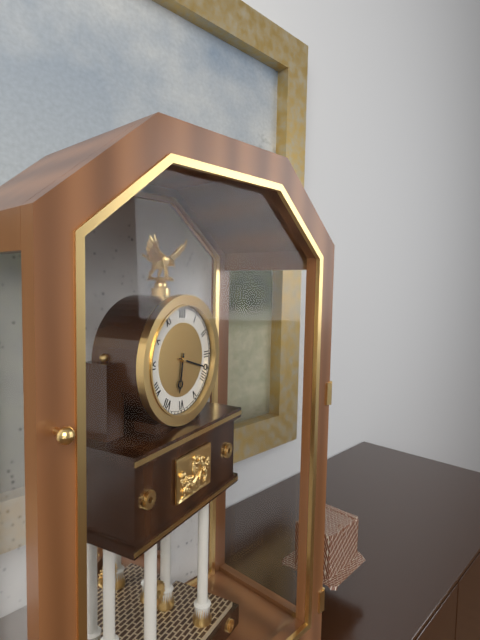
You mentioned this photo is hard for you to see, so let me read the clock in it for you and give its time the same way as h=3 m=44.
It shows h=6 m=18
